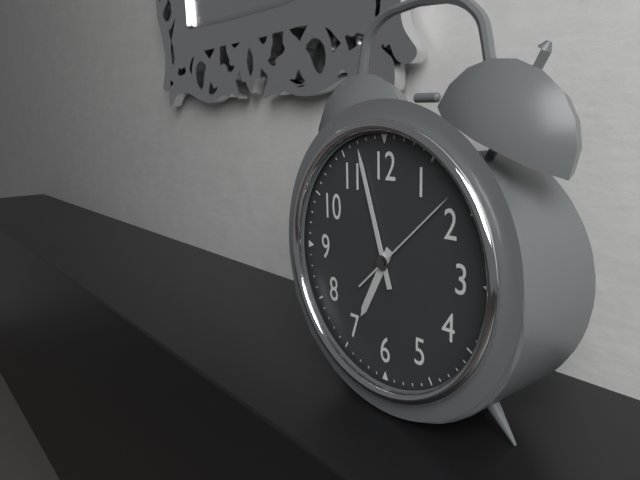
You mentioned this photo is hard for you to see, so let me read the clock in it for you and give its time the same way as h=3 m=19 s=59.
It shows h=6 m=57 s=8
